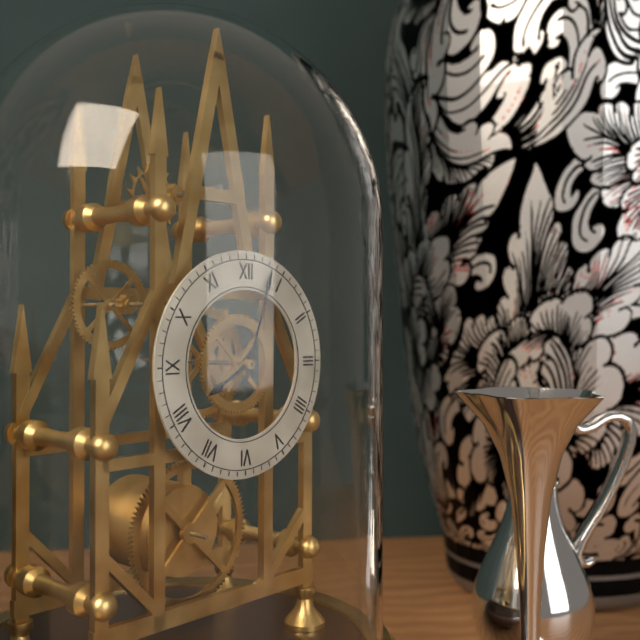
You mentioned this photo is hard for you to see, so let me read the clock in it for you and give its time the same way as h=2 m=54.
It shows h=8 m=3
